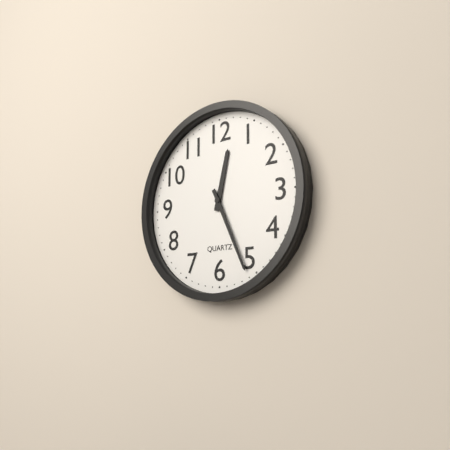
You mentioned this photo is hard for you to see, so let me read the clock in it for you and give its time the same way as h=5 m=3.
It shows h=12 m=26
